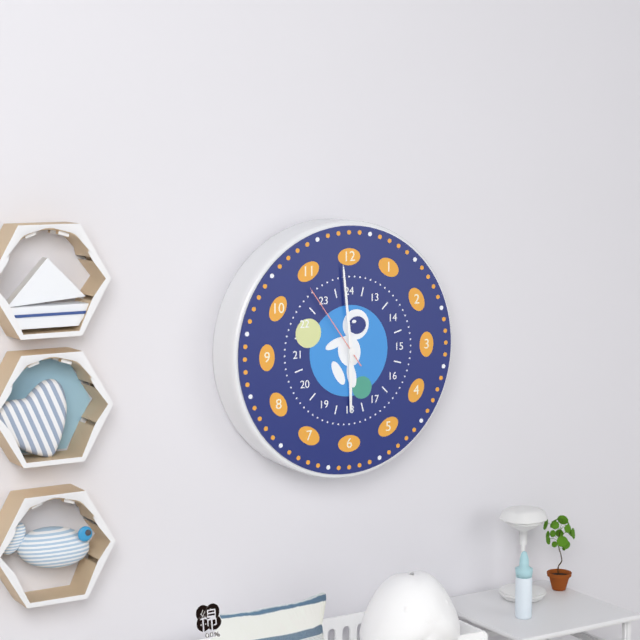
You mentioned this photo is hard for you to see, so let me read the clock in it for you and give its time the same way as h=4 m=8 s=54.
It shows h=5 m=59 s=54
